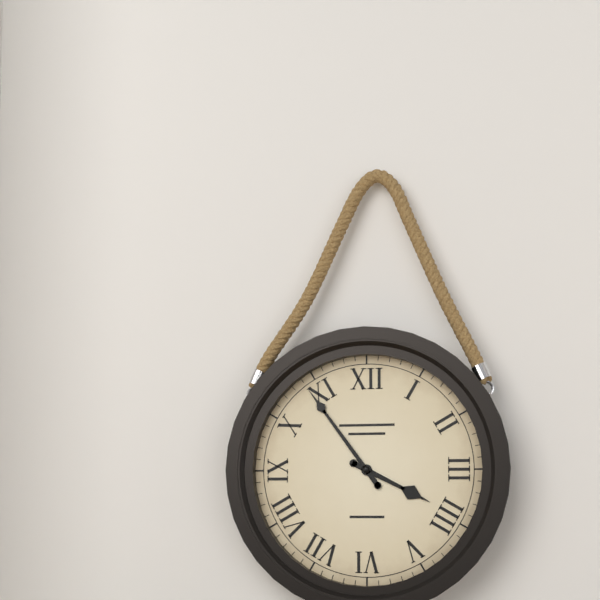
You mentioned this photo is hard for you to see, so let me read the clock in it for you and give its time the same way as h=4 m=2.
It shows h=3 m=54
